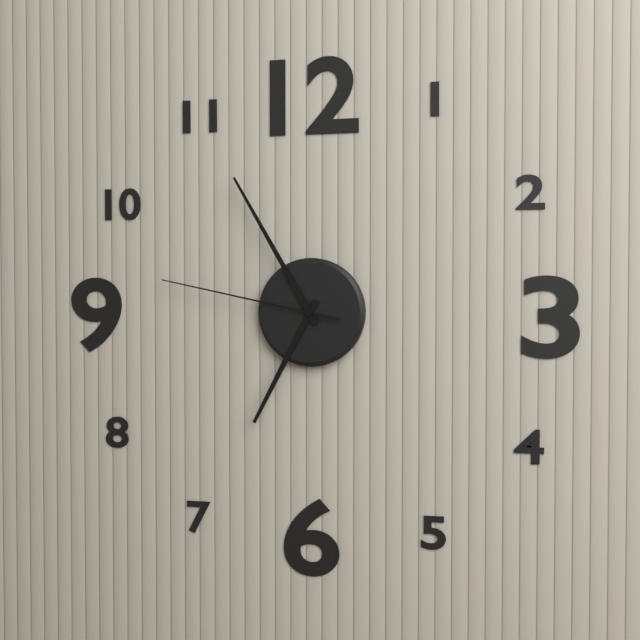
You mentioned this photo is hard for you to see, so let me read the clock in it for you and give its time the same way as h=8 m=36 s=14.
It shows h=6 m=55 s=47
